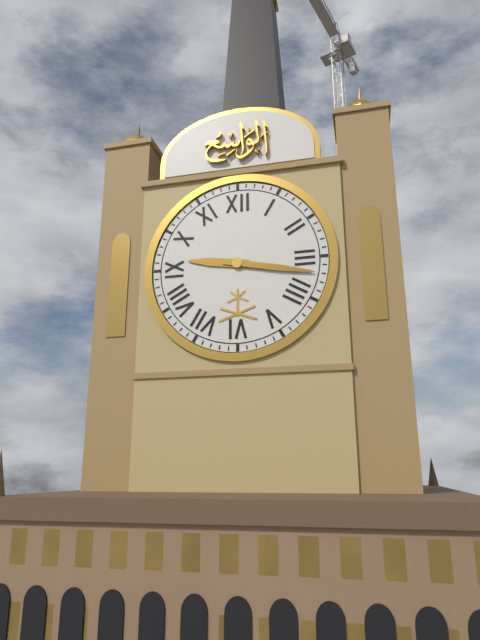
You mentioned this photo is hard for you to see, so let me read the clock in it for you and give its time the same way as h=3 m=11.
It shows h=9 m=17
